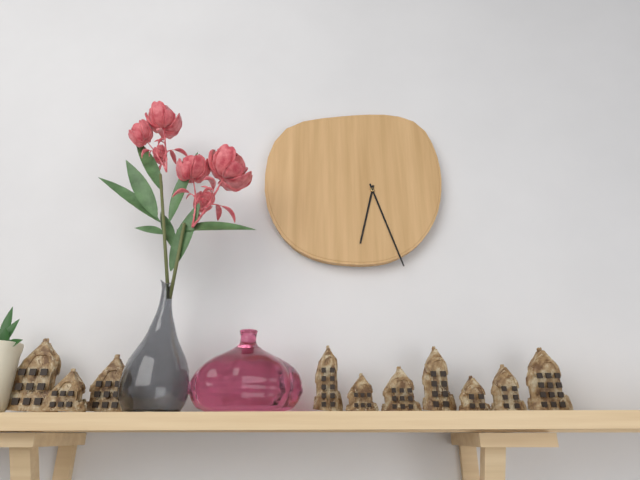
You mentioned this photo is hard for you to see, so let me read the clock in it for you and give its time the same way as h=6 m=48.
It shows h=6 m=27
